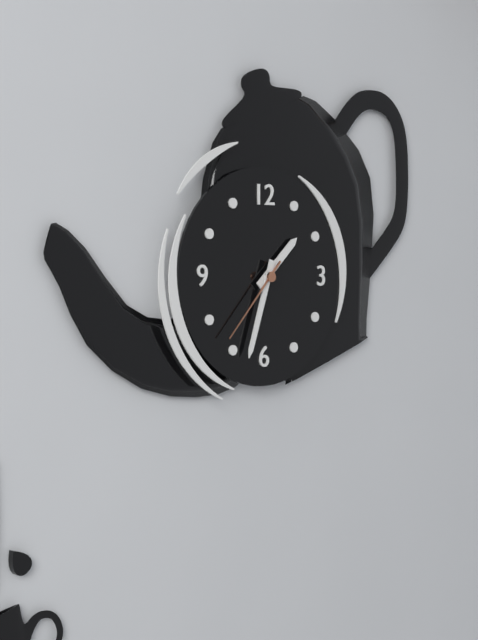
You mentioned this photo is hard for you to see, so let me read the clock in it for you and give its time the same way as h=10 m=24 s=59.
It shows h=1 m=33 s=37
